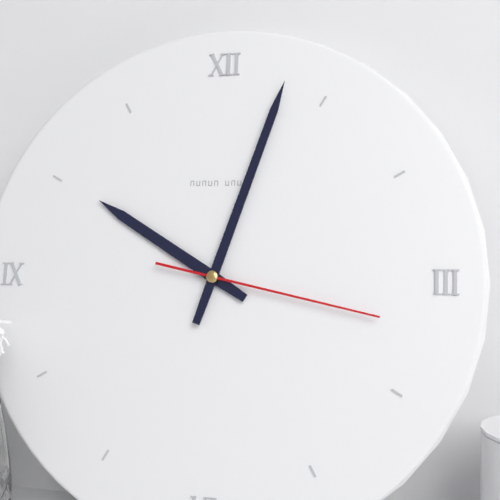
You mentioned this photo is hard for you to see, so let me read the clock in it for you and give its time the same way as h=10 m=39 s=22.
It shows h=10 m=3 s=17
